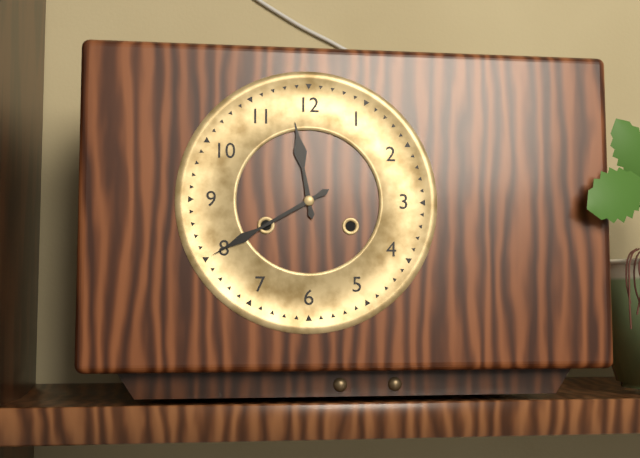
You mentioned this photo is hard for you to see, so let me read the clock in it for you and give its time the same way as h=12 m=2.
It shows h=11 m=40
